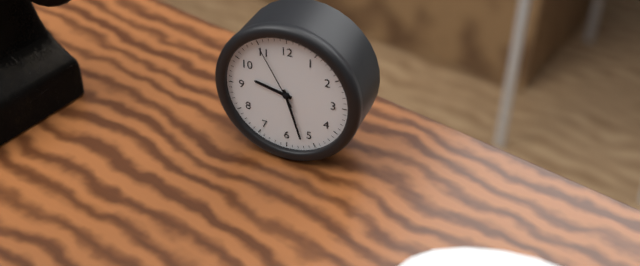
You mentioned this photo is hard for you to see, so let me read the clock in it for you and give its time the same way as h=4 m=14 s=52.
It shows h=9 m=27 s=55
